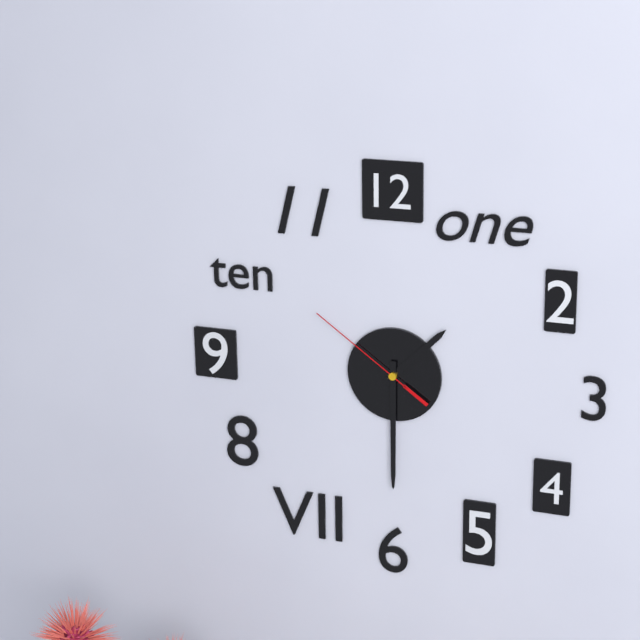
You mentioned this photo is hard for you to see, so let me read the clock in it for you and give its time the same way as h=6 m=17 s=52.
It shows h=1 m=30 s=51
